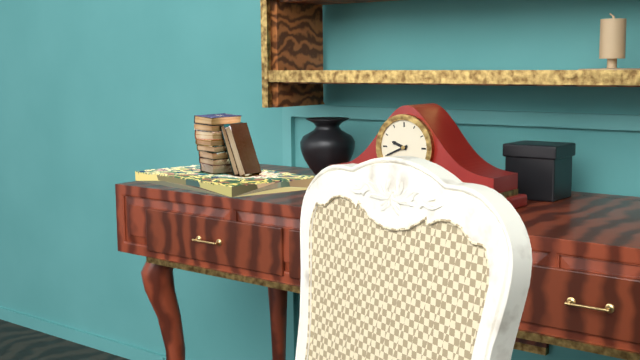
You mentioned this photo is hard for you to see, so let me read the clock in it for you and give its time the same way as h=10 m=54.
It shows h=9 m=41
